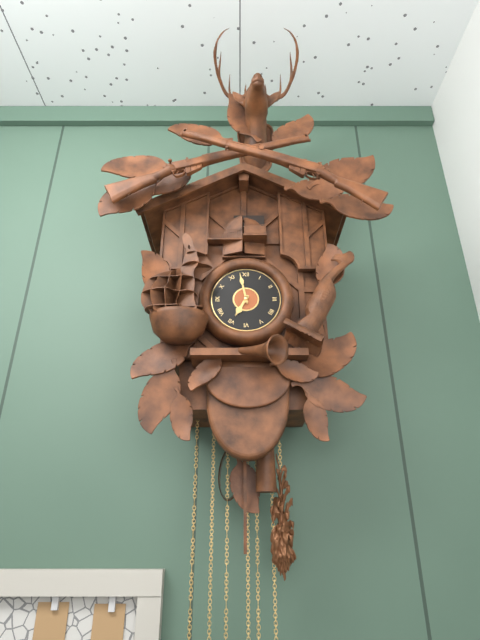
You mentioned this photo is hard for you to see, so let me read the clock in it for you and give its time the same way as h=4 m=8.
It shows h=6 m=58
